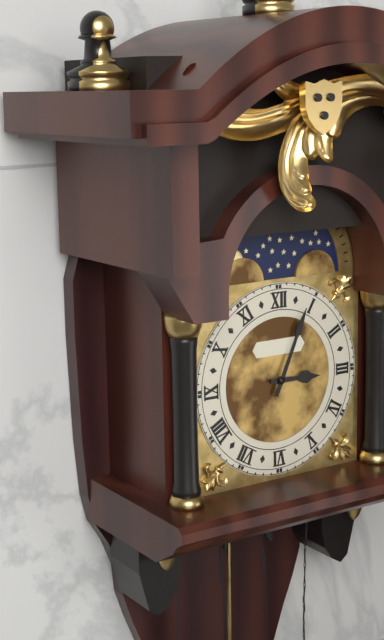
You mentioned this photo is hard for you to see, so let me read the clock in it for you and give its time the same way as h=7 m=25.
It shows h=3 m=4
